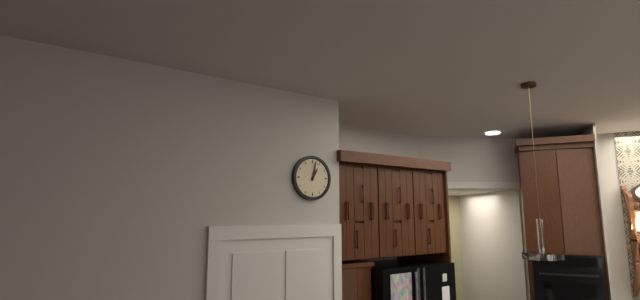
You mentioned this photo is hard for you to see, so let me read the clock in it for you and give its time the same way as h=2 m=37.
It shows h=1 m=2
